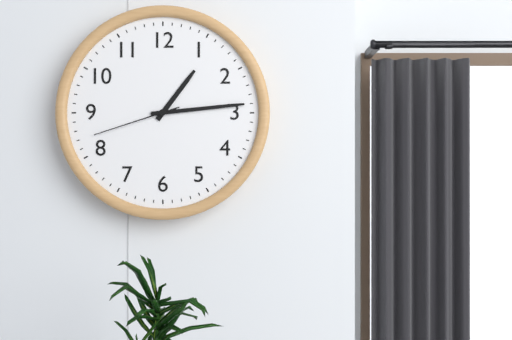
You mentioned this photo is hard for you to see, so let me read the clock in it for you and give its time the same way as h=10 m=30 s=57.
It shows h=1 m=14 s=42
